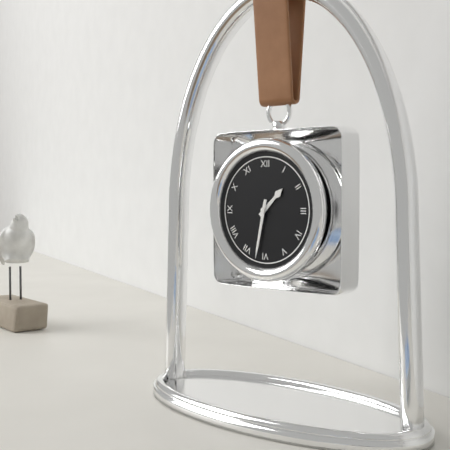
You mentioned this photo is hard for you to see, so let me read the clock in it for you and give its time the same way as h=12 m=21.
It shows h=1 m=32
